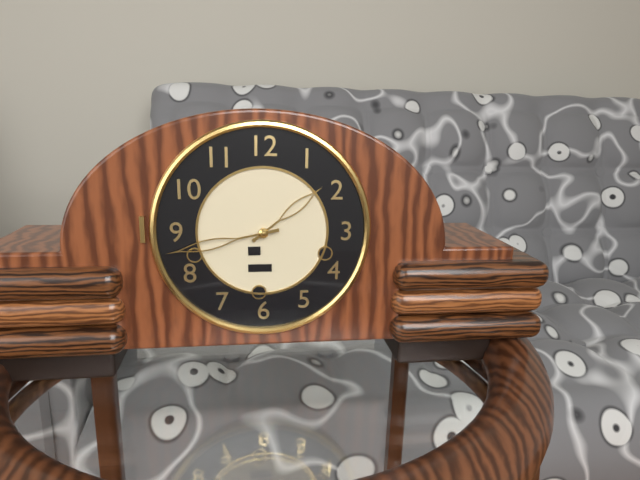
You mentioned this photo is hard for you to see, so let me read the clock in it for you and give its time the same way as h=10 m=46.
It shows h=1 m=43
